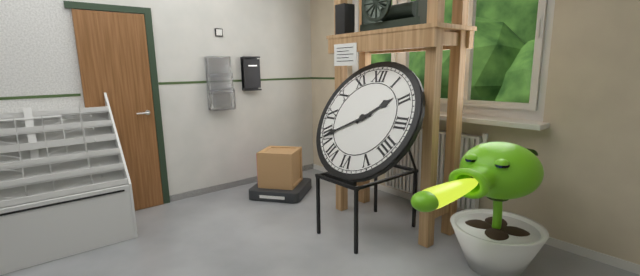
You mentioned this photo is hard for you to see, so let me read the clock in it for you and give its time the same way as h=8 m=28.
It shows h=1 m=40
